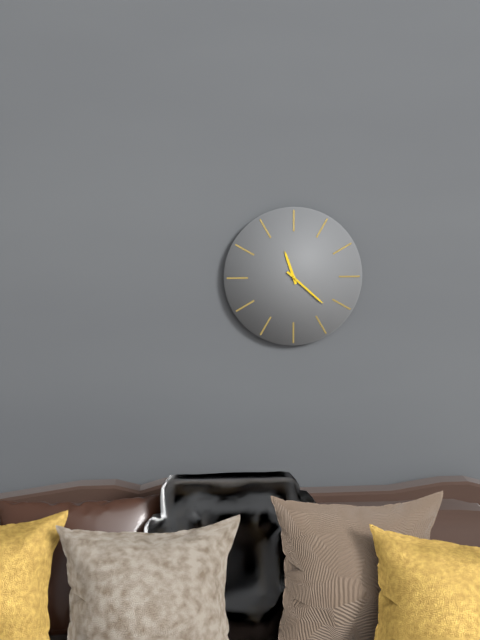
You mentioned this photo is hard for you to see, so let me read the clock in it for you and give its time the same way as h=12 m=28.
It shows h=11 m=22
